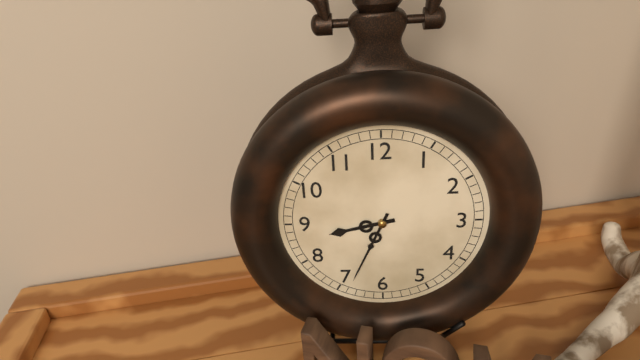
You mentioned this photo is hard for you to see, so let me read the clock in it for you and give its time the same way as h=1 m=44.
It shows h=8 m=34
